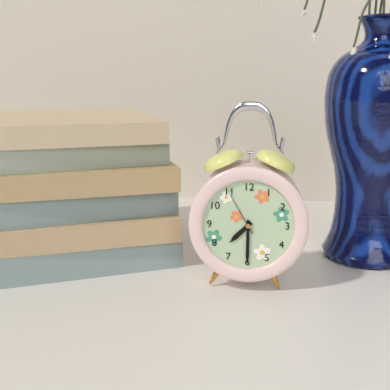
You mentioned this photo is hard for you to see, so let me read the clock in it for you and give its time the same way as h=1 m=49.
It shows h=7 m=30
